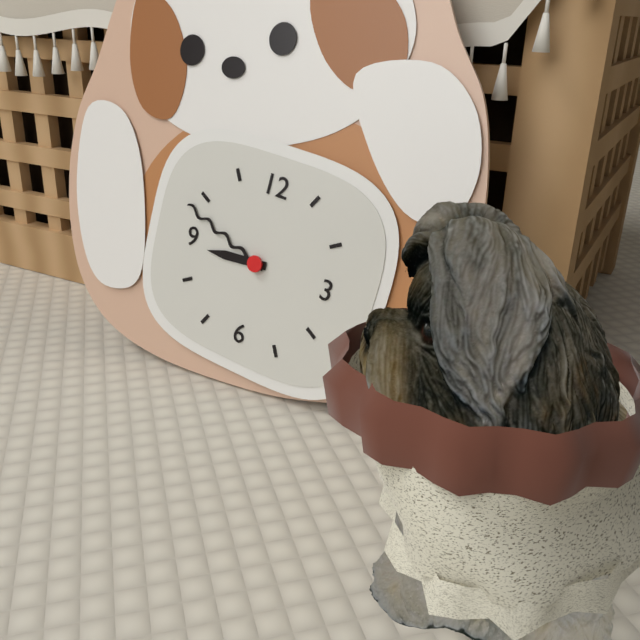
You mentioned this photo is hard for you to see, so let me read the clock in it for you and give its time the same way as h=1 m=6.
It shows h=8 m=48
